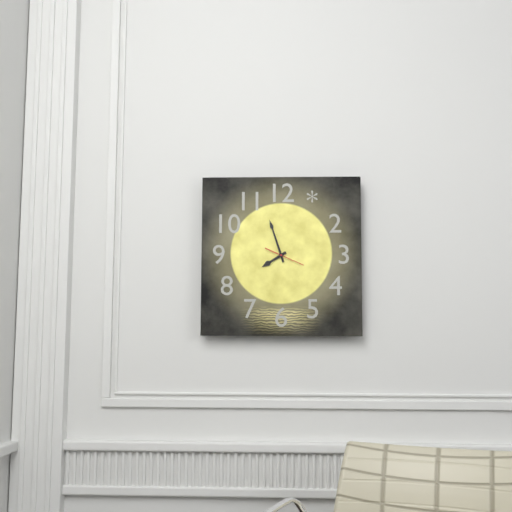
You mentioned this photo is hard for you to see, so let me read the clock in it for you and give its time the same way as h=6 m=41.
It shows h=7 m=57
